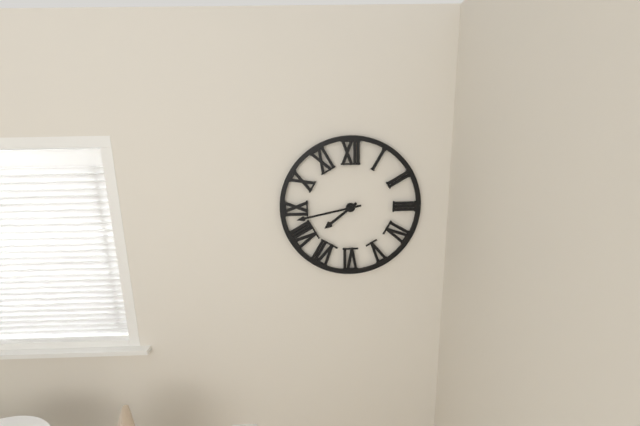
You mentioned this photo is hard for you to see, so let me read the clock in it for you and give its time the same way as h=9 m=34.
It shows h=7 m=43
